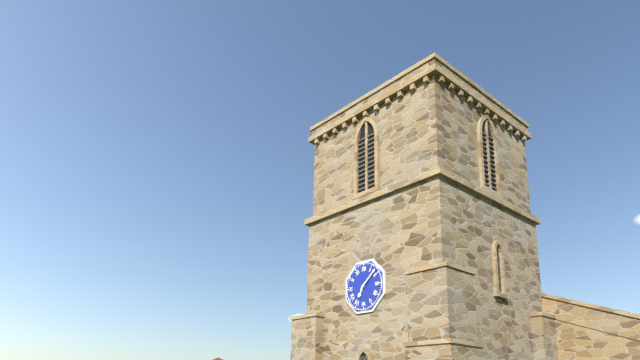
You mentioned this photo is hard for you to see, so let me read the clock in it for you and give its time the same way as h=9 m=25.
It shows h=7 m=8
